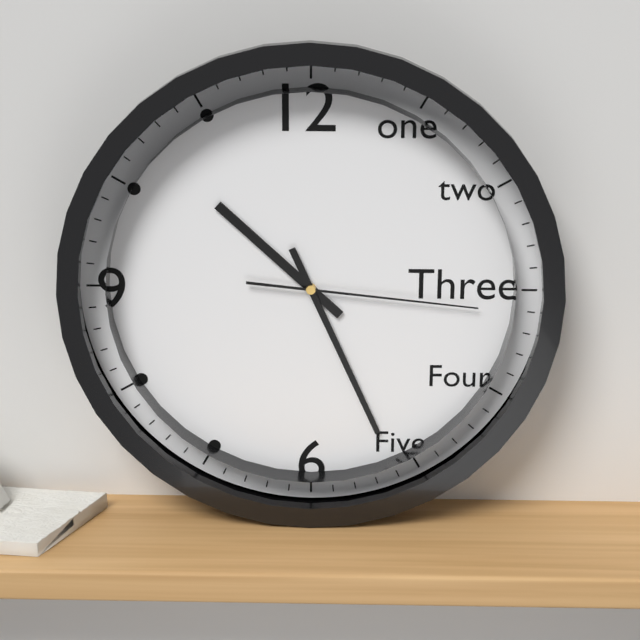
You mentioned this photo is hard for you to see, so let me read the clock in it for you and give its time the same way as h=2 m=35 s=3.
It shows h=10 m=26 s=16
